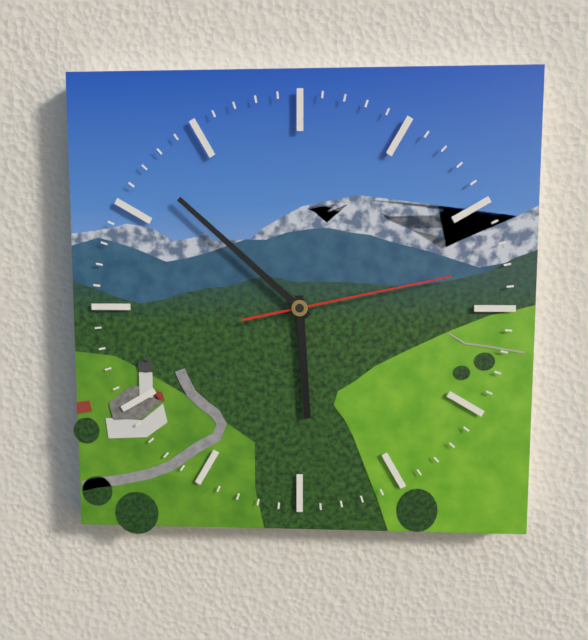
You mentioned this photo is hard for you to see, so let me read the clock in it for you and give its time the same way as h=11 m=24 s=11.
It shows h=5 m=52 s=13
